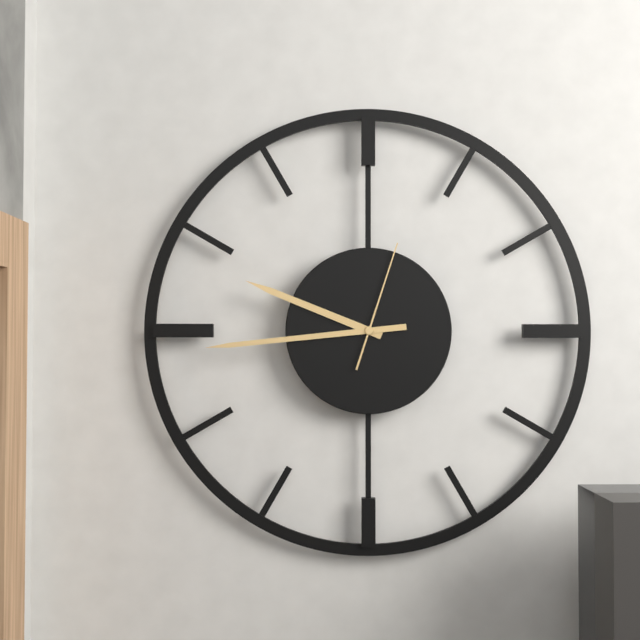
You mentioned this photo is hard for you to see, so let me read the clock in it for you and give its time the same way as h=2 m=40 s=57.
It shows h=9 m=44 s=3
